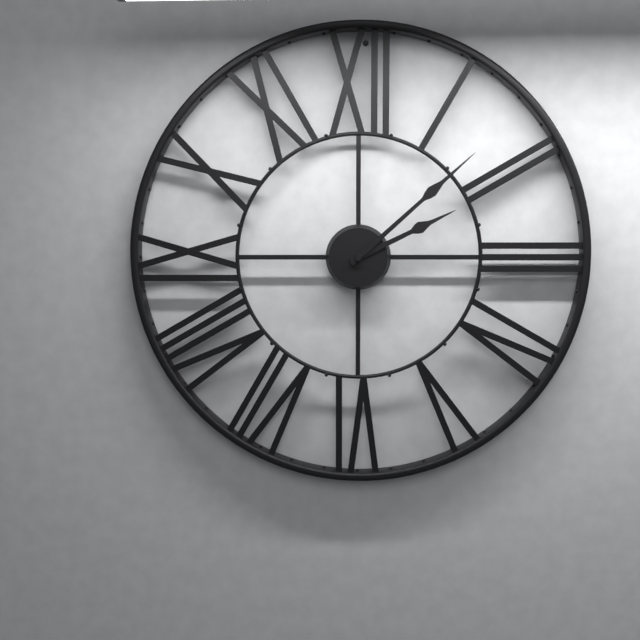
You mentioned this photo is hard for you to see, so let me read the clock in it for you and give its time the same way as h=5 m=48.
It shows h=2 m=8
